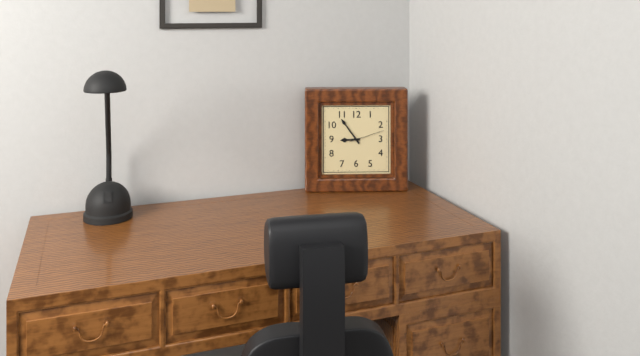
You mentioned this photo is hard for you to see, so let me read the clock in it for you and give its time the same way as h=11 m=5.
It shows h=8 m=54
